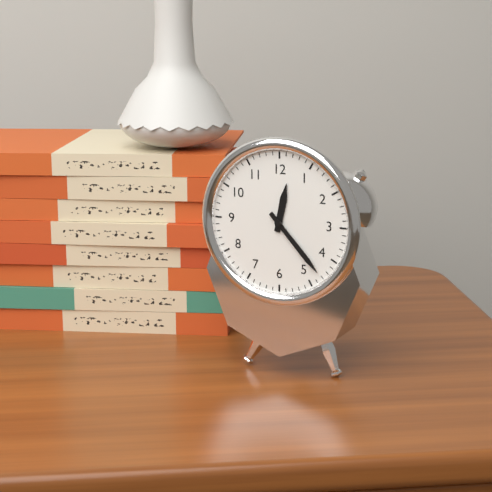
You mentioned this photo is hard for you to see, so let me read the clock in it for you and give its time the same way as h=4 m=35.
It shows h=12 m=23
